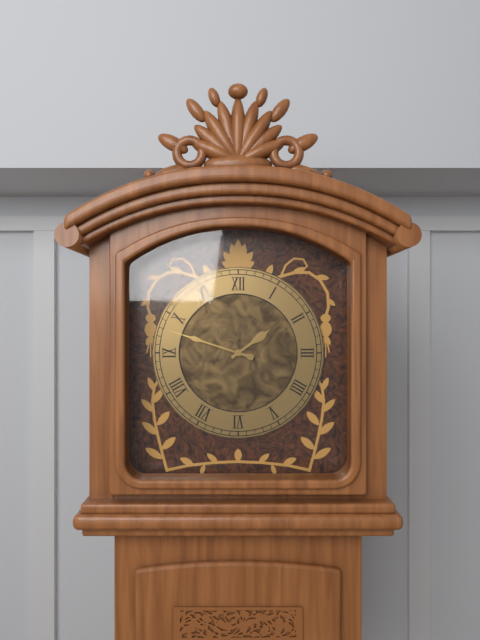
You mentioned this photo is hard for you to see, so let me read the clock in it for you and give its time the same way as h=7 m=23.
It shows h=1 m=48
